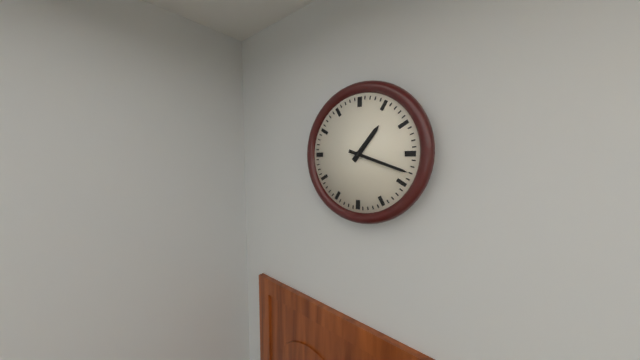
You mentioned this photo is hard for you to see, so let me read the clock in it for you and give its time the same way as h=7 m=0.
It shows h=1 m=18
